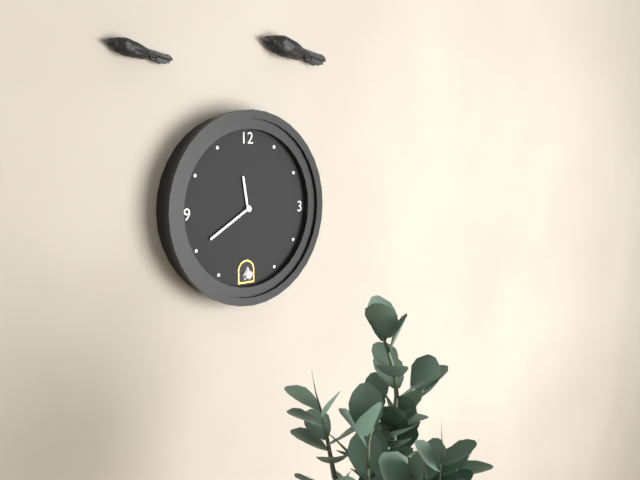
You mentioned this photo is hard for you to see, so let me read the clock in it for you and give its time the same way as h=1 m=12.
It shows h=11 m=40
